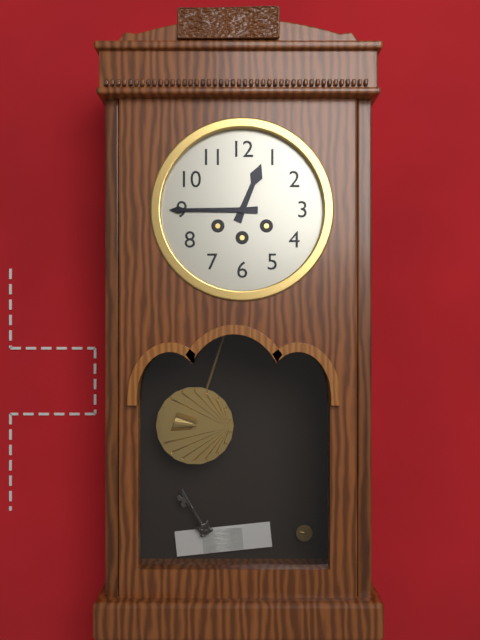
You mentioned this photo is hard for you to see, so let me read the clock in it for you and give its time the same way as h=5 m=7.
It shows h=12 m=45
